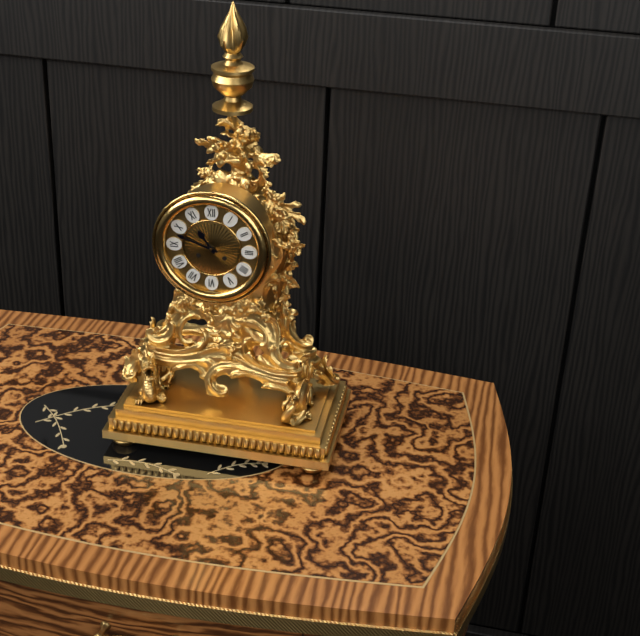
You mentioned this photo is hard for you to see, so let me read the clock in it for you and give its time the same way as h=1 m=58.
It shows h=10 m=48
